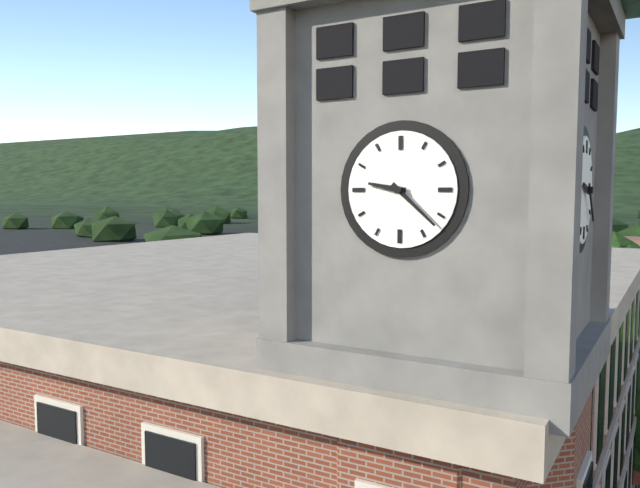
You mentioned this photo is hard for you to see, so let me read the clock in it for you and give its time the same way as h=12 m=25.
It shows h=9 m=22
